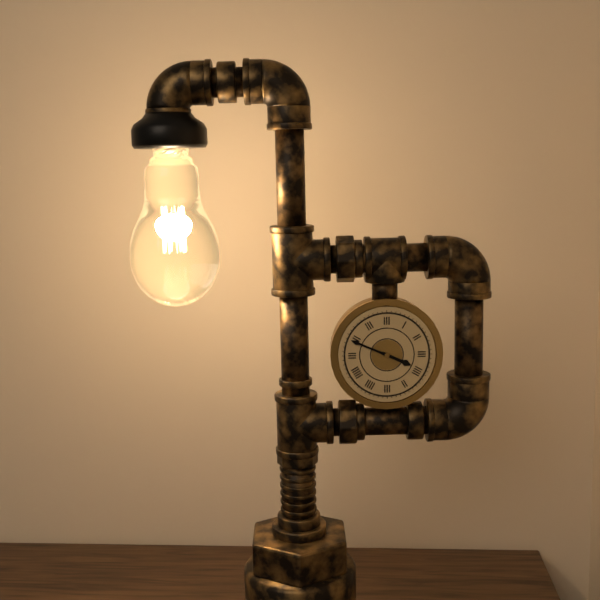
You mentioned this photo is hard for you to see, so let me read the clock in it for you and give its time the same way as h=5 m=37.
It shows h=3 m=49
